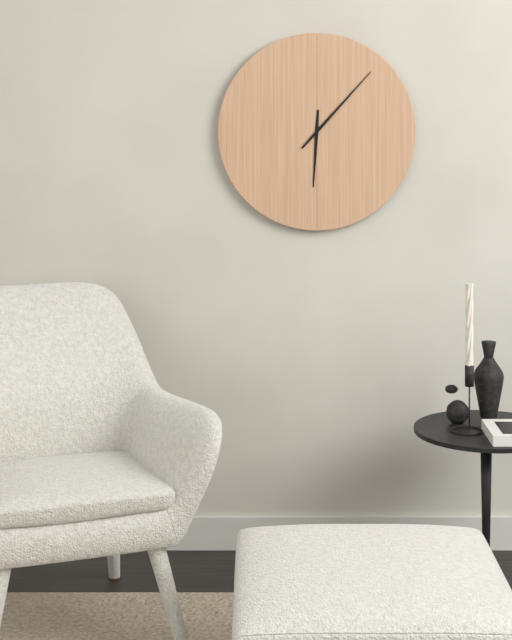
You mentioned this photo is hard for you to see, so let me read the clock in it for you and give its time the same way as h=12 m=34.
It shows h=6 m=7
